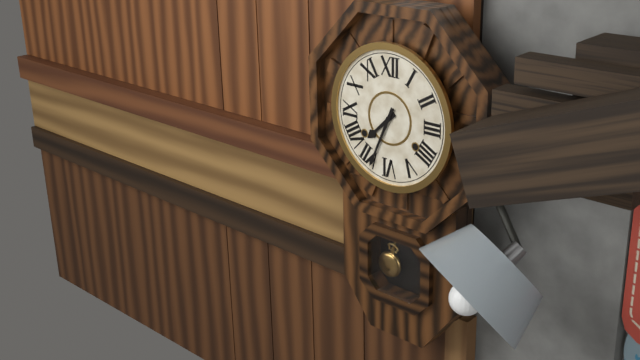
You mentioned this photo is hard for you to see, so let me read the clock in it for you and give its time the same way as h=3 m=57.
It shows h=7 m=34
